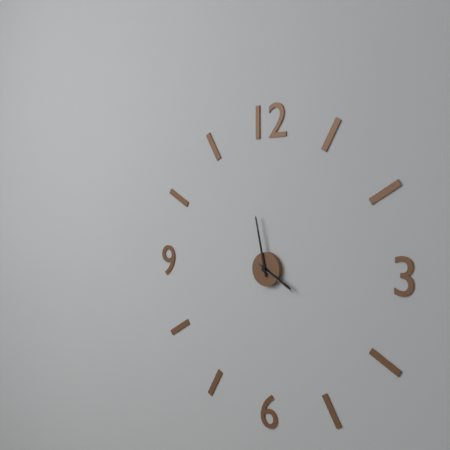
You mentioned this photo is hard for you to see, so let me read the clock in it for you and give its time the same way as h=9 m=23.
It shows h=3 m=58
